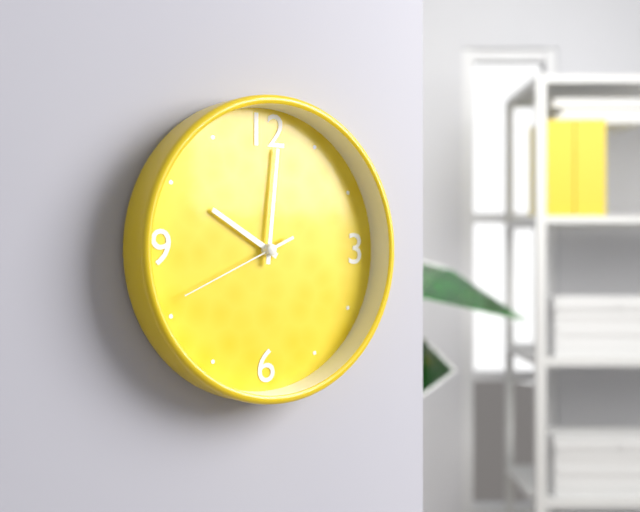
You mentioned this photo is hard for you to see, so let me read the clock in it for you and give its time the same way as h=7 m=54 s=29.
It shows h=10 m=1 s=41
